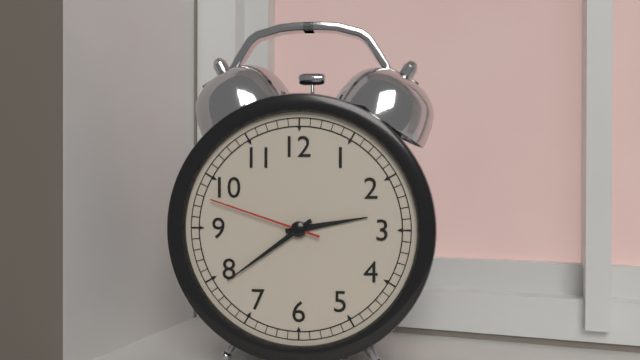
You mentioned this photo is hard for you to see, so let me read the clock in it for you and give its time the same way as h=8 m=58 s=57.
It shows h=2 m=39 s=48
